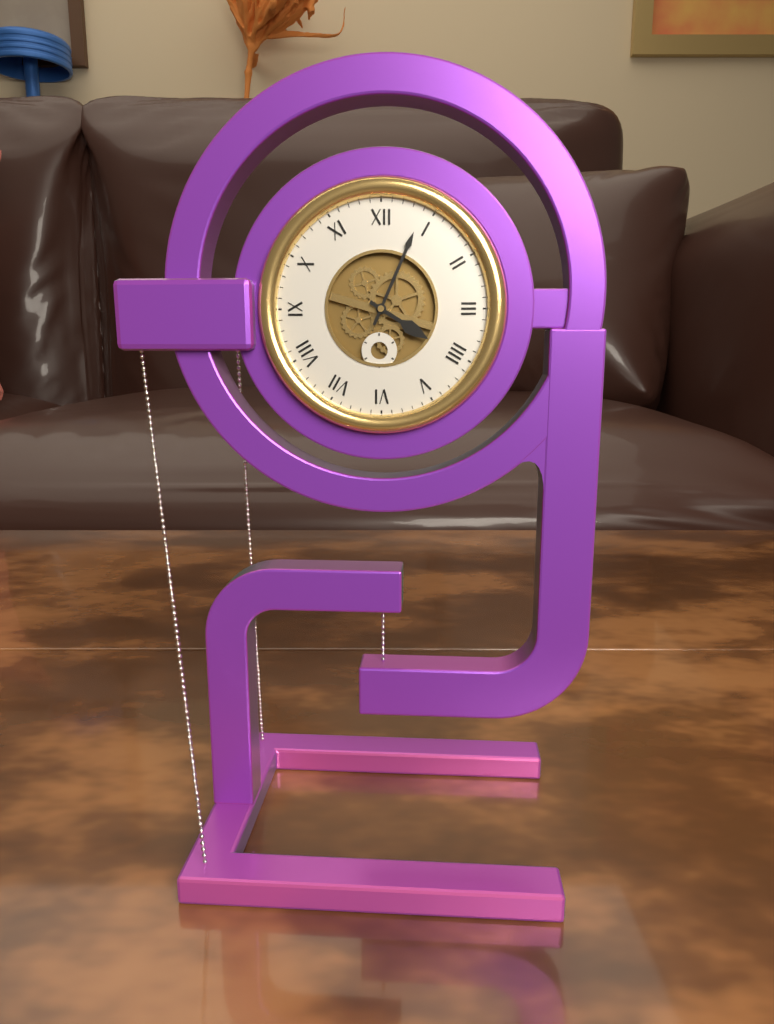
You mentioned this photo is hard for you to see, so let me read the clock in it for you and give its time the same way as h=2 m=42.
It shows h=4 m=4
